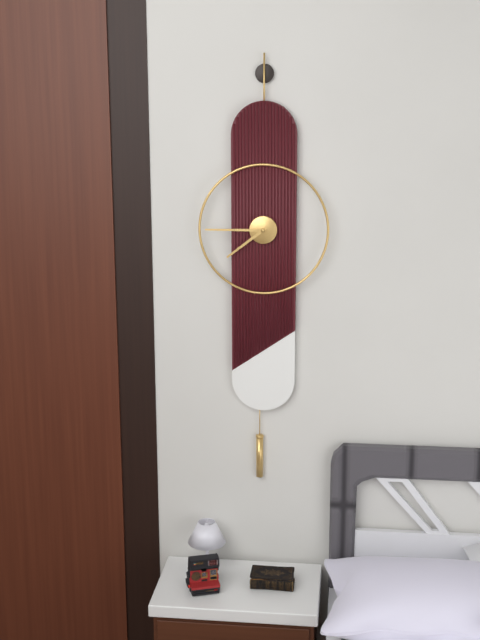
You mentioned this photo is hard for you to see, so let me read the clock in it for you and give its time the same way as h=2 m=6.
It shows h=7 m=45
